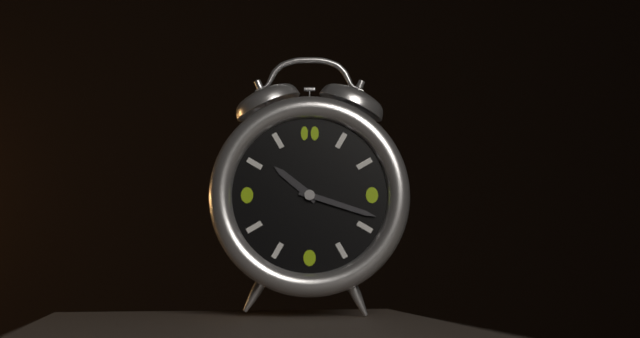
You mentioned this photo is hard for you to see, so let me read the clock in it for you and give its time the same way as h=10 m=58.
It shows h=10 m=18
